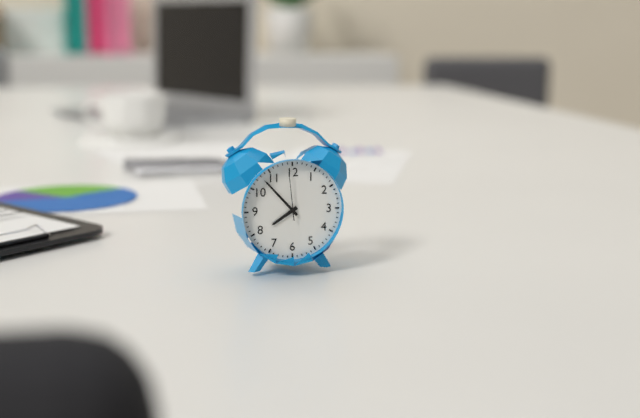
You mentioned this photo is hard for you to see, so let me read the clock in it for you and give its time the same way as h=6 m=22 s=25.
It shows h=7 m=53 s=59
